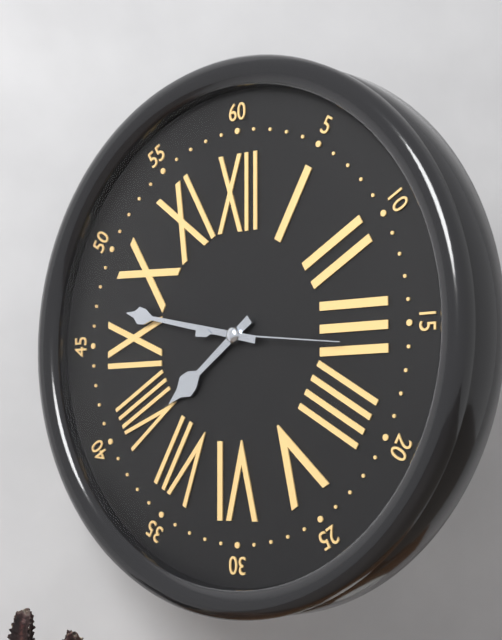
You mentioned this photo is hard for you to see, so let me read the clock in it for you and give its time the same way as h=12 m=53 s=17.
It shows h=7 m=47 s=16
